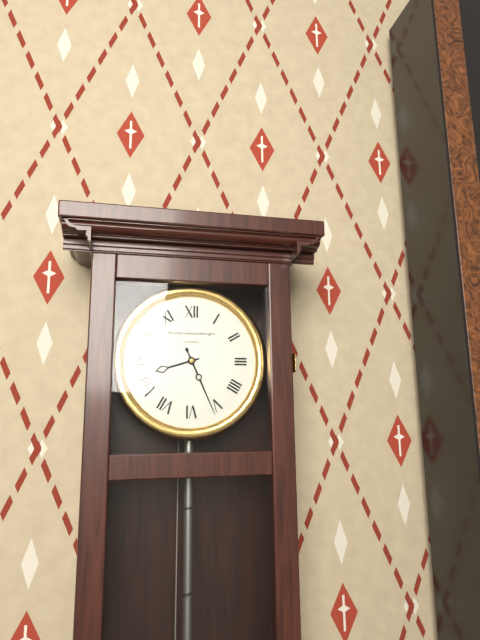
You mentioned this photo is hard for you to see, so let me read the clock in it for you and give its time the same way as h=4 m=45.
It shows h=8 m=26
